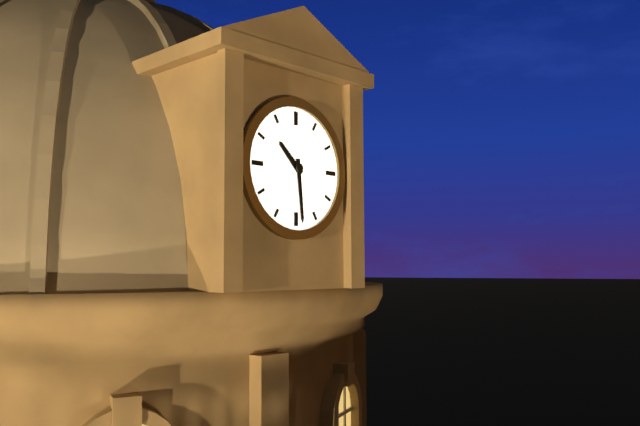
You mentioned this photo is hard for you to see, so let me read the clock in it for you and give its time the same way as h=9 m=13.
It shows h=10 m=29
